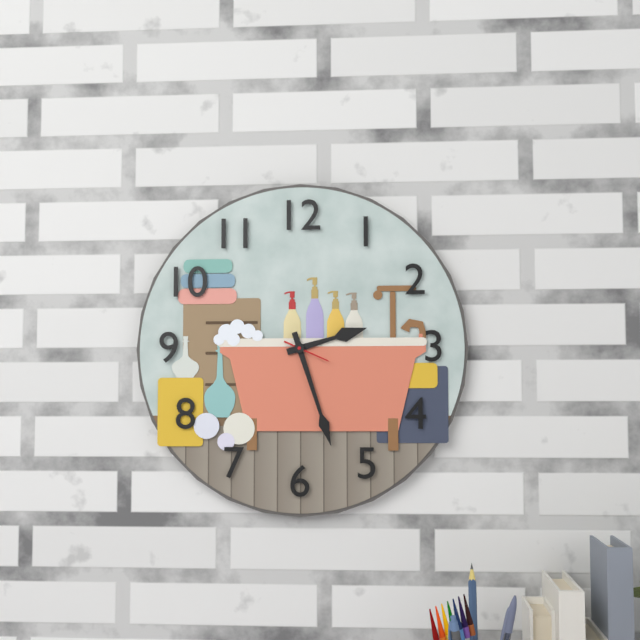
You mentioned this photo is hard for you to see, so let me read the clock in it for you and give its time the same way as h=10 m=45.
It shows h=2 m=27
